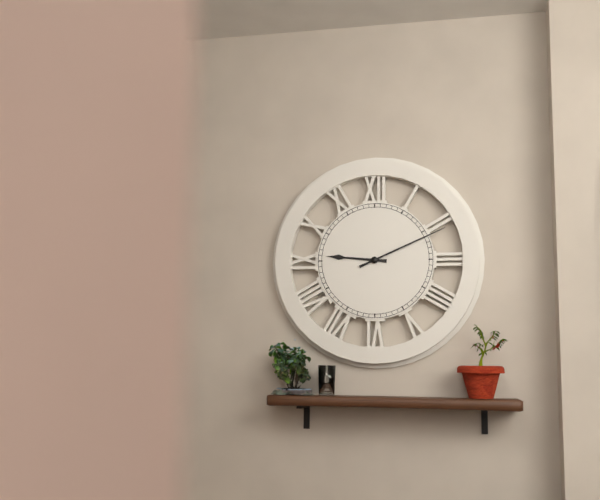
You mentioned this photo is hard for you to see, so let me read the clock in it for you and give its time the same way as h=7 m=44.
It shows h=9 m=11
